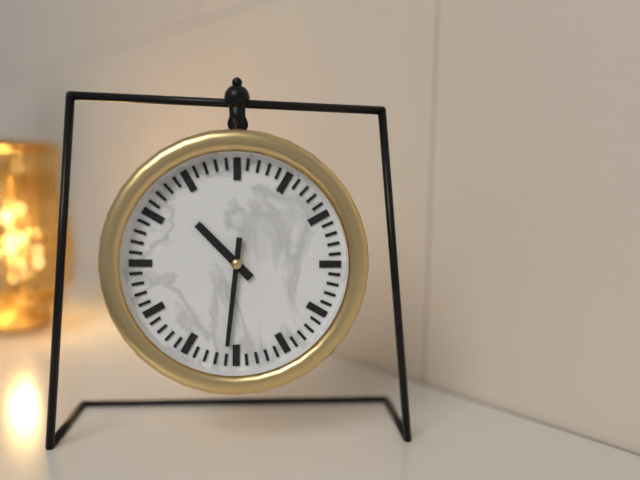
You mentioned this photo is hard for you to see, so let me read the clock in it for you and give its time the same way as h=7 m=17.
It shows h=10 m=31
